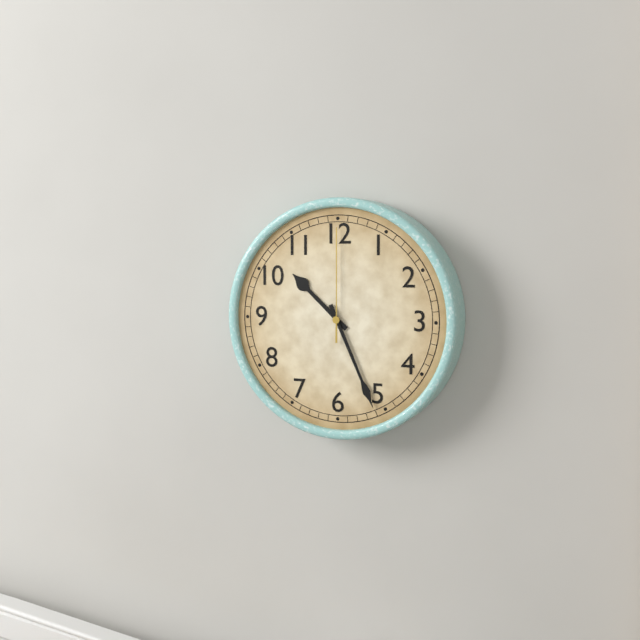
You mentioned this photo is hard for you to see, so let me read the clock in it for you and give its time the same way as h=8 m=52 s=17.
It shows h=10 m=26 s=0
